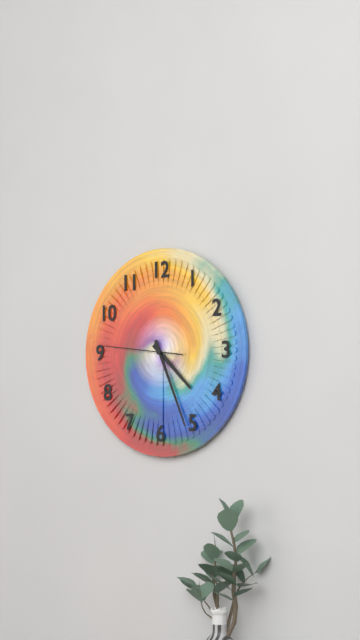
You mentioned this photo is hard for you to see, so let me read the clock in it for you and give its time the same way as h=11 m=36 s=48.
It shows h=4 m=26 s=46
